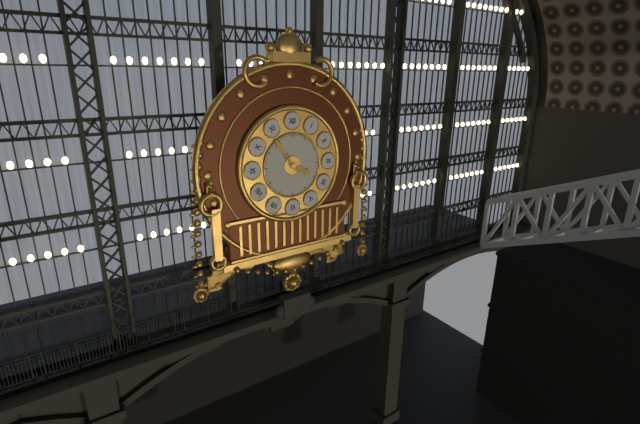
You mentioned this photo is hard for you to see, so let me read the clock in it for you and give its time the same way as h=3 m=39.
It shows h=3 m=54
